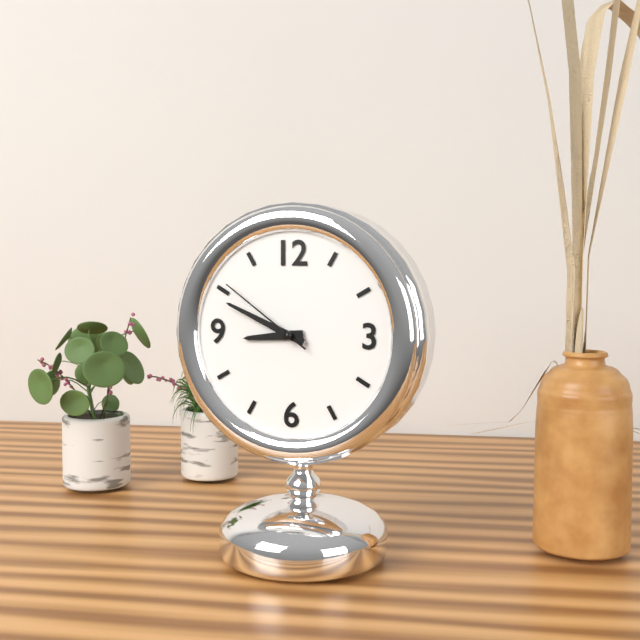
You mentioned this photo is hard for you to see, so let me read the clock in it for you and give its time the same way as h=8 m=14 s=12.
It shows h=8 m=49 s=51
